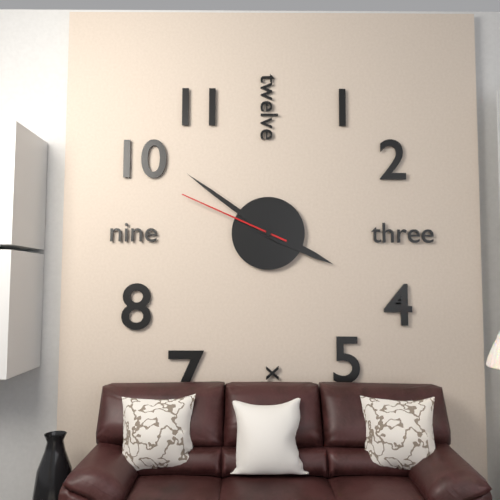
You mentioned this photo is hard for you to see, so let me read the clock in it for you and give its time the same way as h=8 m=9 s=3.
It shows h=3 m=51 s=49
